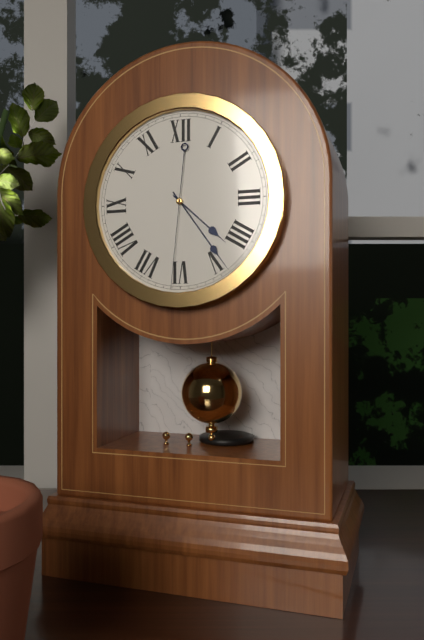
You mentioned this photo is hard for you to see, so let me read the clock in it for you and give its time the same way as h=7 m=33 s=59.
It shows h=4 m=24 s=31
